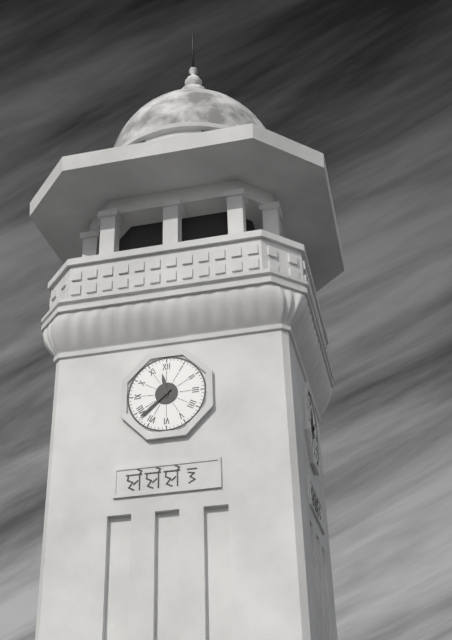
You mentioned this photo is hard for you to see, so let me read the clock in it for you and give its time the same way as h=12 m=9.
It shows h=11 m=38
